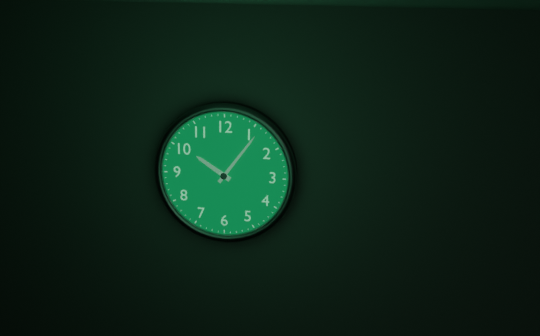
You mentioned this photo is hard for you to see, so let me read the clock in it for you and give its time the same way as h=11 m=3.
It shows h=10 m=6
